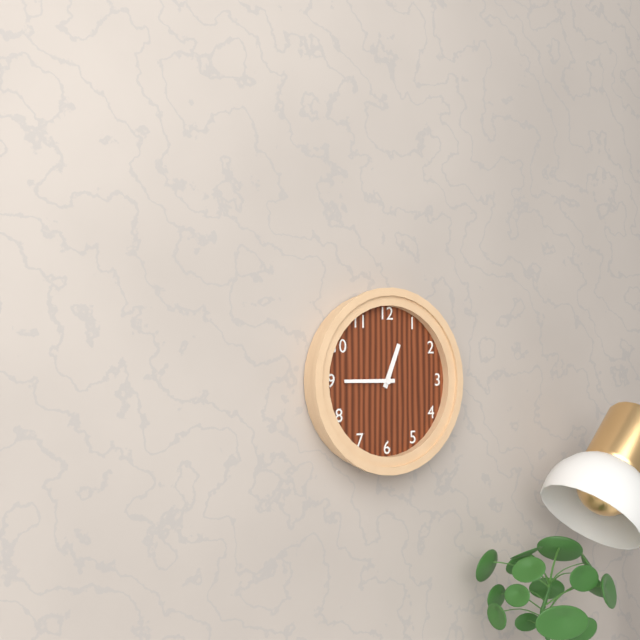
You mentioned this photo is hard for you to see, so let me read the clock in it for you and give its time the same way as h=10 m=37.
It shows h=12 m=45
